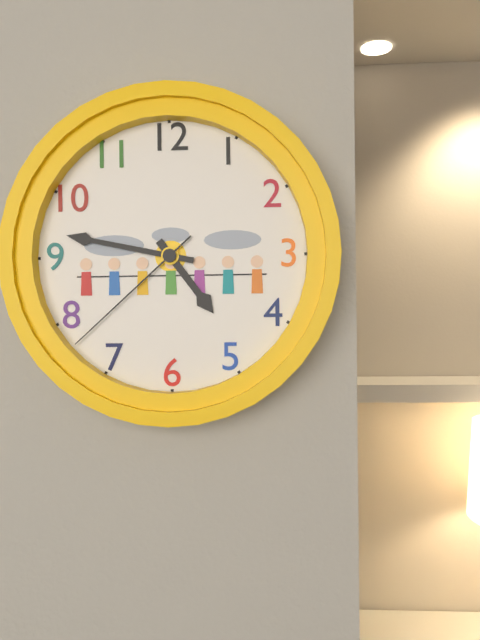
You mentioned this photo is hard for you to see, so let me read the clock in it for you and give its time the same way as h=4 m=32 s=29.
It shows h=4 m=47 s=38
